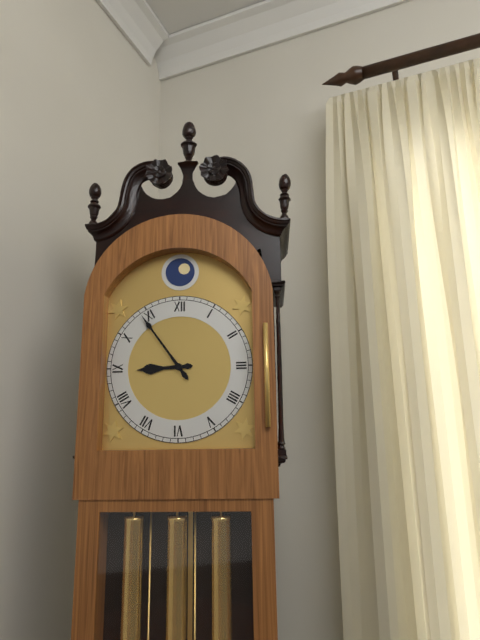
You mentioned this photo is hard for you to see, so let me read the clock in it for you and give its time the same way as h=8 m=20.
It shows h=8 m=54
